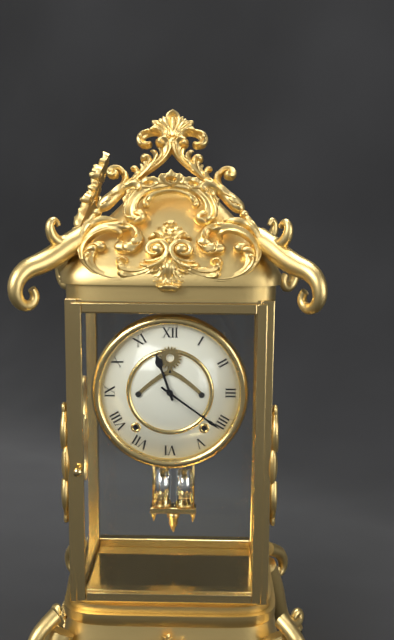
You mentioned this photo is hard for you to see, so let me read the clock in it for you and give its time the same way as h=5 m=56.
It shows h=11 m=21
